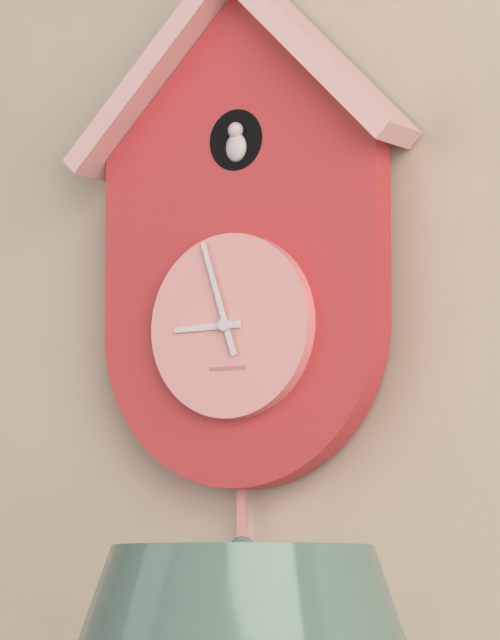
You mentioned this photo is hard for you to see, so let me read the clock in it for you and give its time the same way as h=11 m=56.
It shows h=8 m=57
